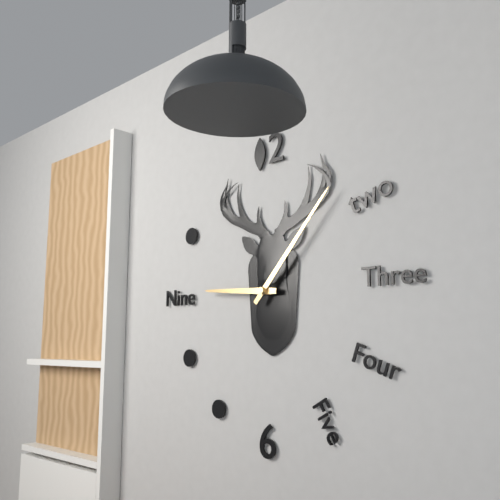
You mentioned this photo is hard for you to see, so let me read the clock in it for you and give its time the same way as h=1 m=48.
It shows h=9 m=7
